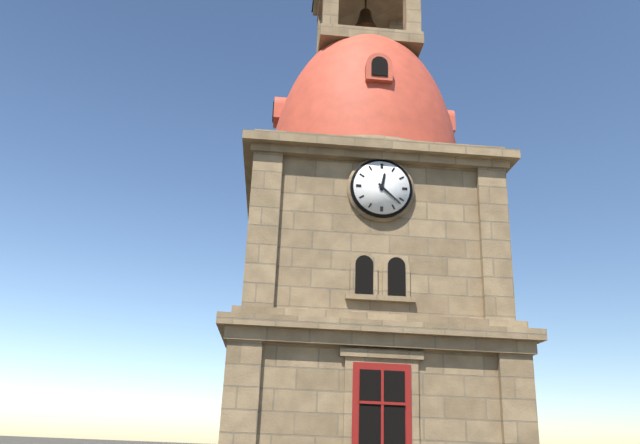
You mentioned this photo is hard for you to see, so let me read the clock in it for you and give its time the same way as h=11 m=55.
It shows h=12 m=22
